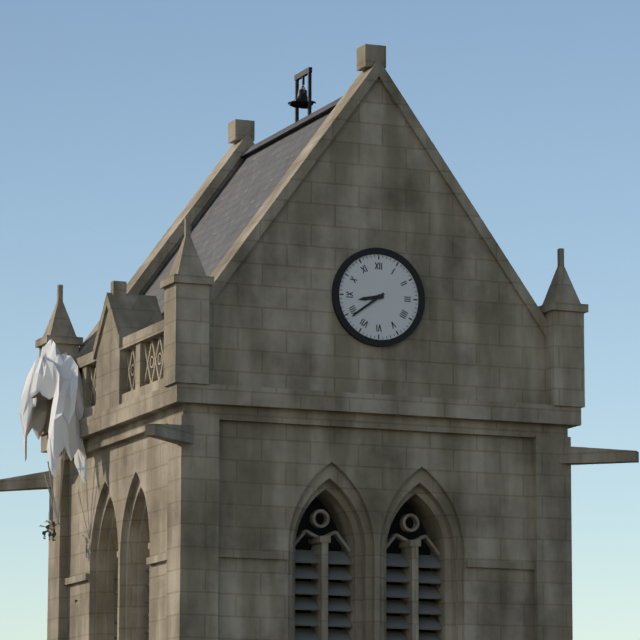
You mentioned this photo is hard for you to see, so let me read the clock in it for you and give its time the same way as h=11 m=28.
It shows h=8 m=39
